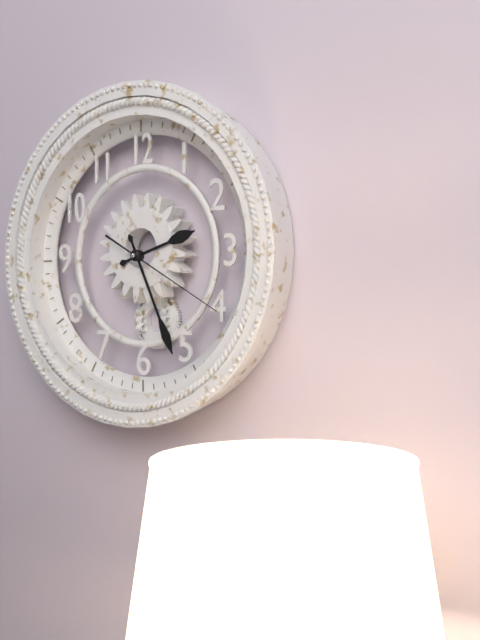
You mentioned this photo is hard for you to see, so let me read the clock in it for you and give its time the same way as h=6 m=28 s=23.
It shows h=2 m=26 s=20
